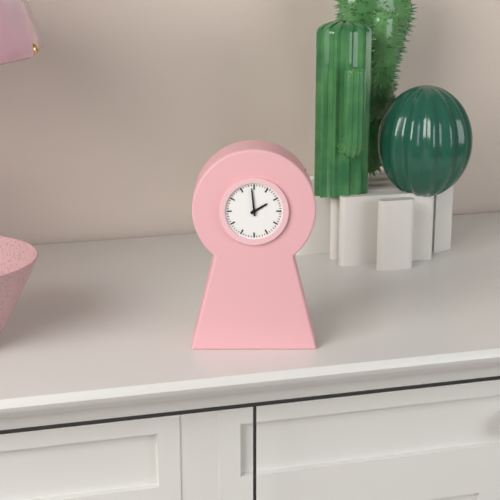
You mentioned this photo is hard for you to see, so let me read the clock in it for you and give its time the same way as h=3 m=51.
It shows h=1 m=59
